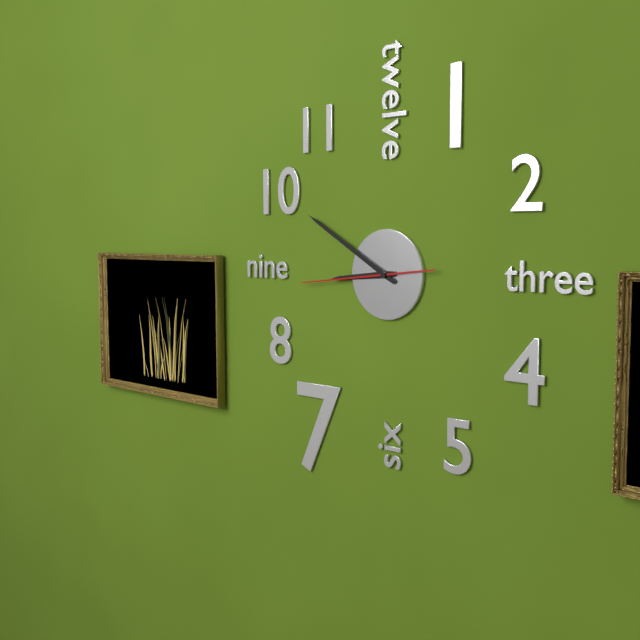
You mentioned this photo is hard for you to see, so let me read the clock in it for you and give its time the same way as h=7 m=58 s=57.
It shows h=8 m=50 s=44
